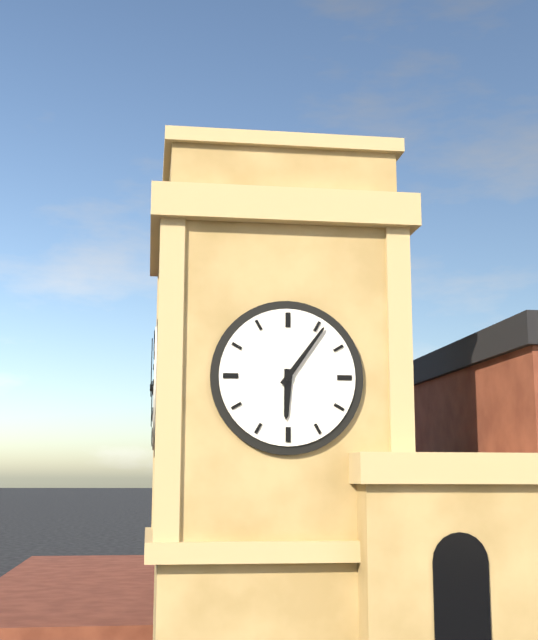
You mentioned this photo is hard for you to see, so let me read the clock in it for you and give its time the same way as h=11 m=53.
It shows h=6 m=6
